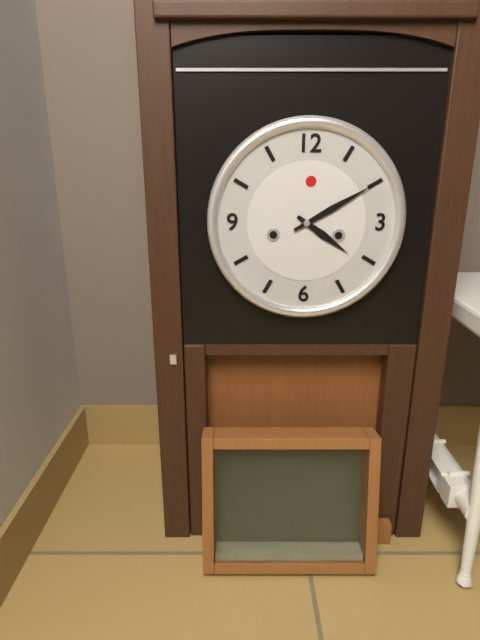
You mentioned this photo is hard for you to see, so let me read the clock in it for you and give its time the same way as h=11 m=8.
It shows h=4 m=10
